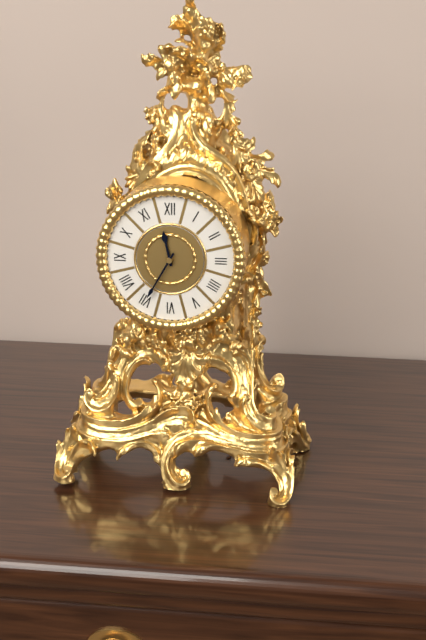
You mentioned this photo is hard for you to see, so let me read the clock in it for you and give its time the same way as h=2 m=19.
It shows h=11 m=35
